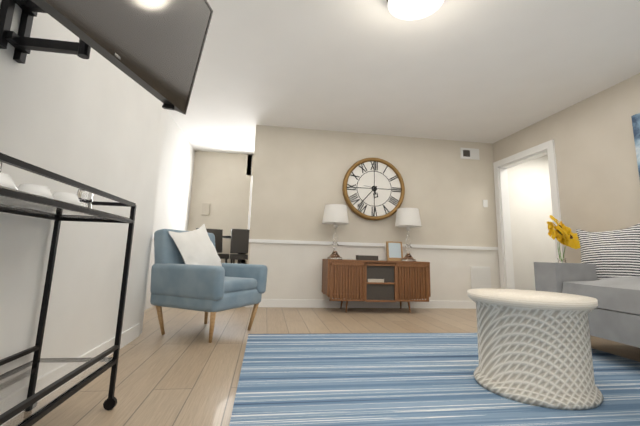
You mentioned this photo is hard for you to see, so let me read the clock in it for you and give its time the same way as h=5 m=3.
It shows h=5 m=37
